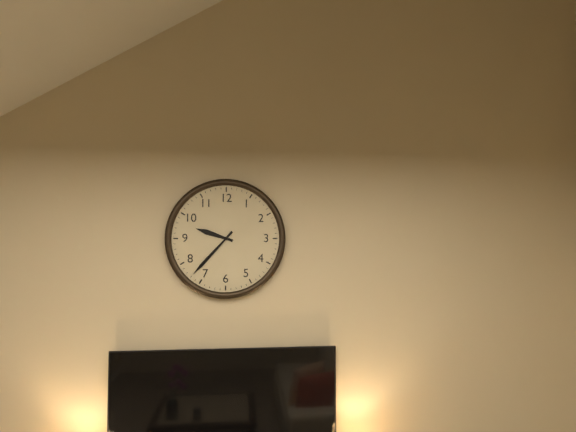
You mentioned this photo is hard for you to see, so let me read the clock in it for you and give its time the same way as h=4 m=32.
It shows h=9 m=37
